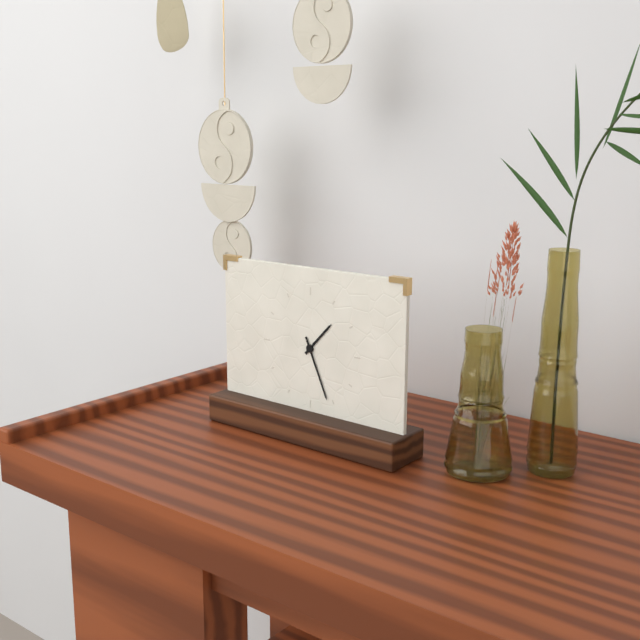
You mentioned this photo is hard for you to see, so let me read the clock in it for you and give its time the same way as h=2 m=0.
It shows h=1 m=26
